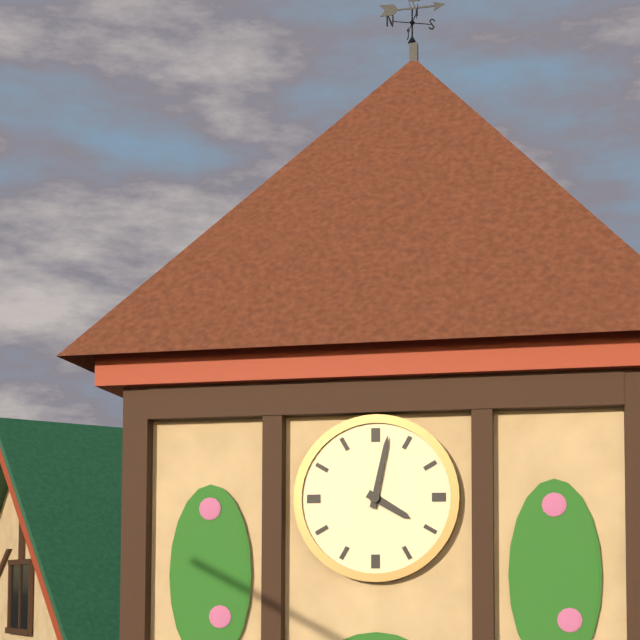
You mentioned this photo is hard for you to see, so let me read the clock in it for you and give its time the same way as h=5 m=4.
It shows h=4 m=2
